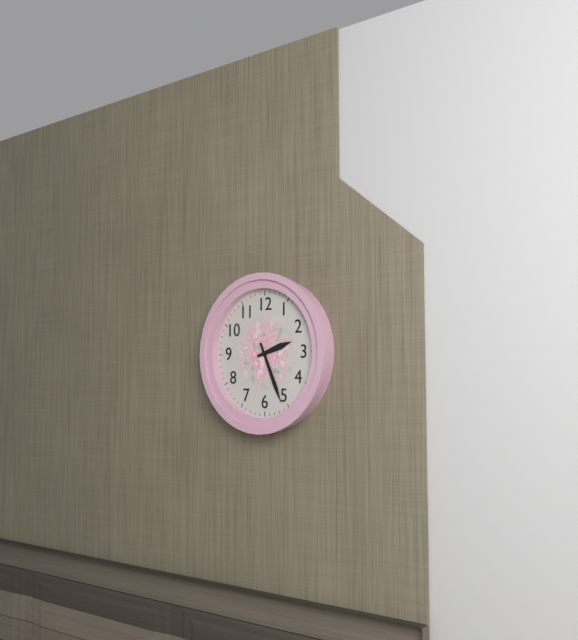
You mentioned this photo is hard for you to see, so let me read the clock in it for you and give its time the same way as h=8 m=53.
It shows h=2 m=26
